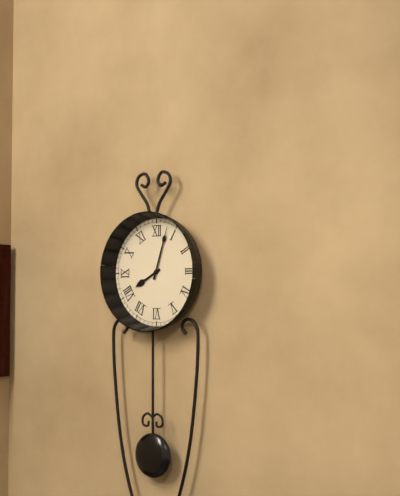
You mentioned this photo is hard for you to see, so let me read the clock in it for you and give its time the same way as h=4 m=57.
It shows h=8 m=3
